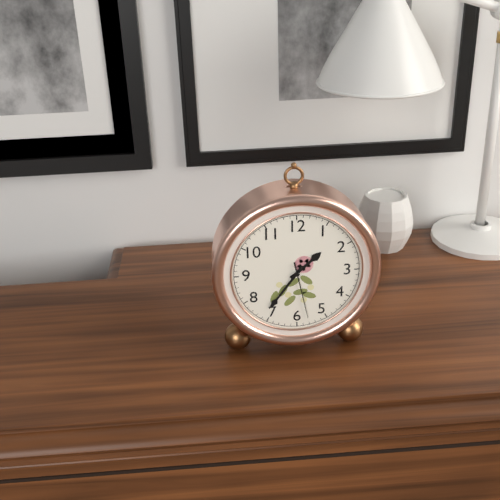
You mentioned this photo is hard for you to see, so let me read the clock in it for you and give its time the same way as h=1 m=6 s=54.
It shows h=1 m=36 s=28
